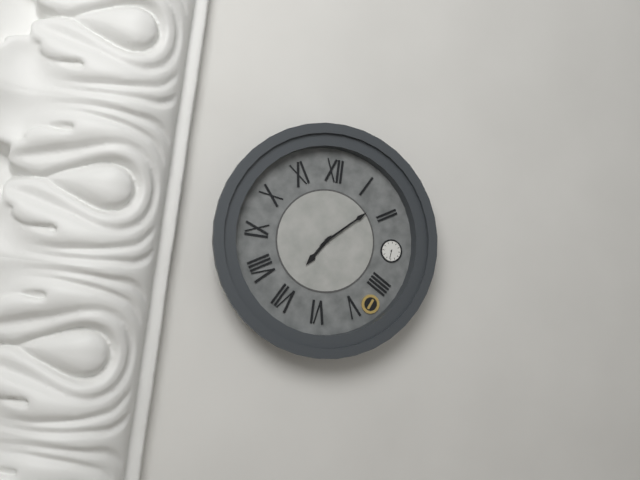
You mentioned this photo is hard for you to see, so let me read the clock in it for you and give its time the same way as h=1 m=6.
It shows h=7 m=8
